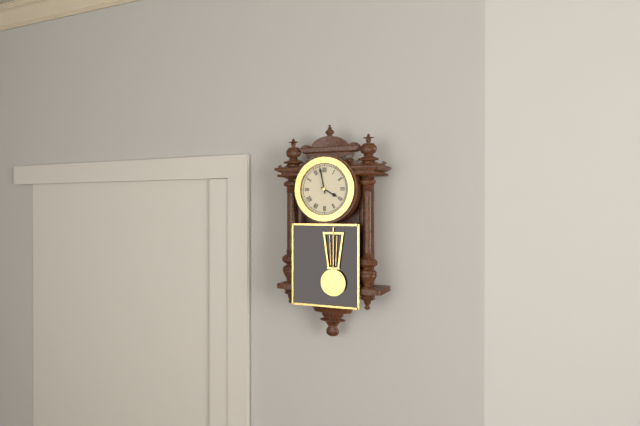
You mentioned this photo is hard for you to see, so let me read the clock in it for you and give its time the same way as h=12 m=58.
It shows h=3 m=58
